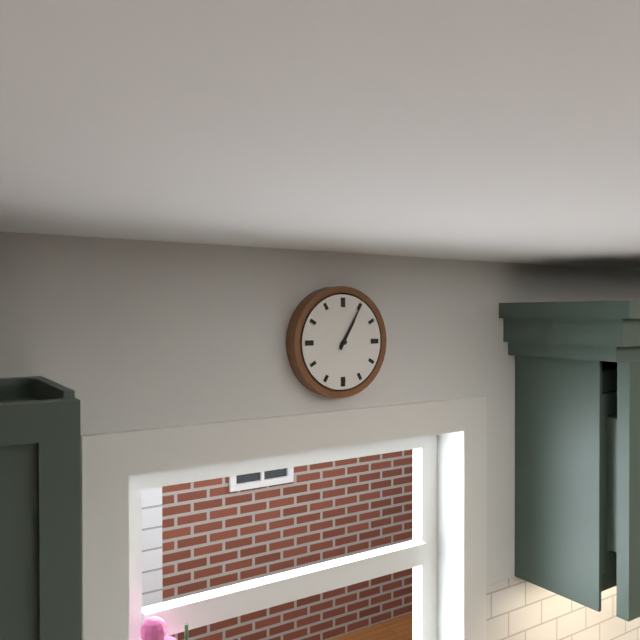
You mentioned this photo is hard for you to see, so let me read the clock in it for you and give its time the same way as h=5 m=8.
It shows h=1 m=5
